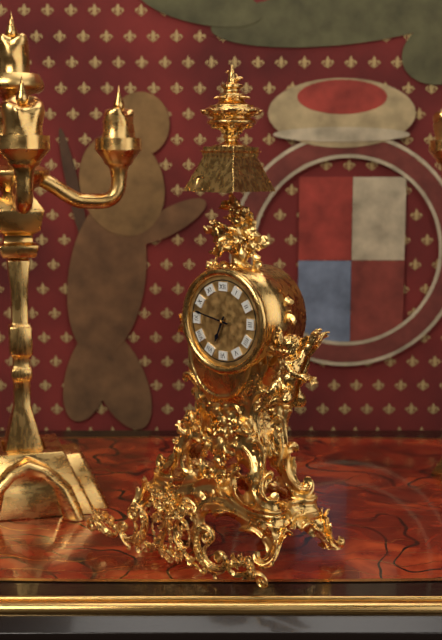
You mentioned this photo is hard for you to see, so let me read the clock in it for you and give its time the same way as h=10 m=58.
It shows h=6 m=47
